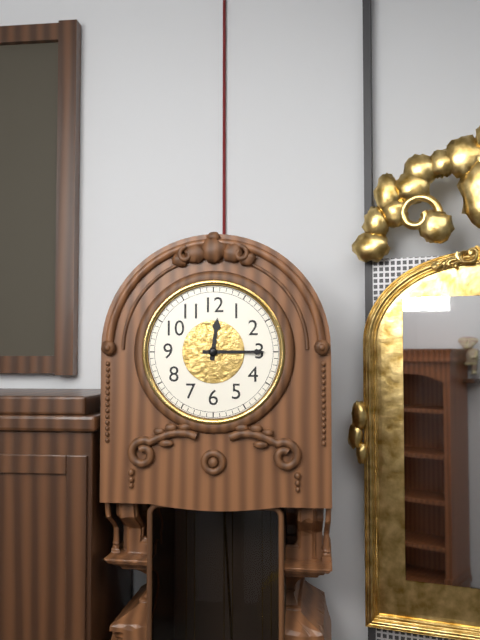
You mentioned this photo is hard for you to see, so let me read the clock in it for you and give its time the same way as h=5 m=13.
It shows h=12 m=15
